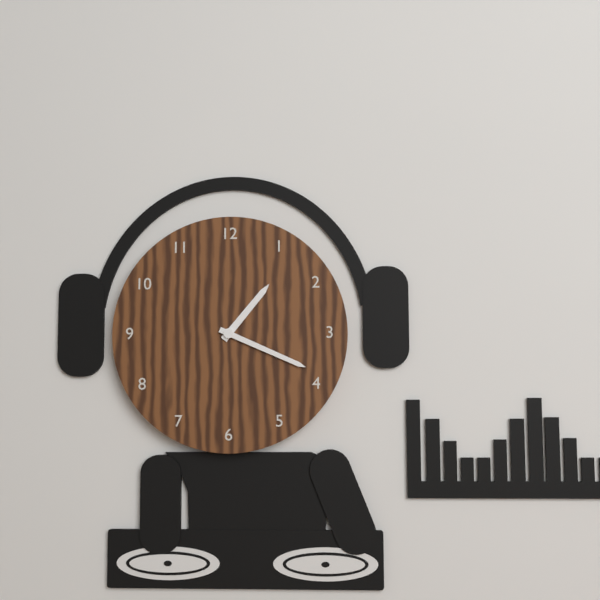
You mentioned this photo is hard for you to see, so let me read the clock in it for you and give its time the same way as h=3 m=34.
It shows h=1 m=19
